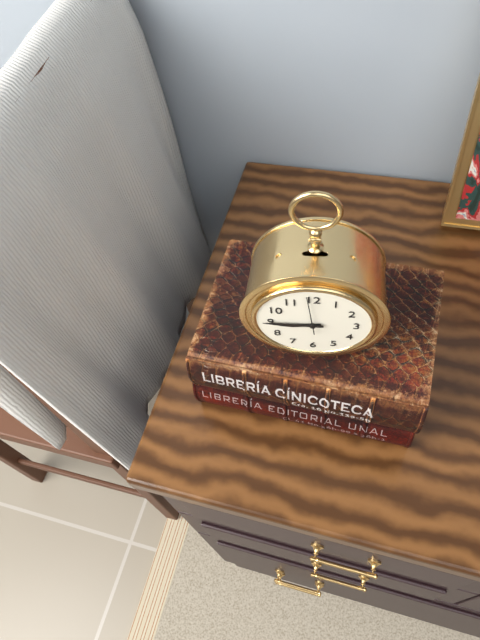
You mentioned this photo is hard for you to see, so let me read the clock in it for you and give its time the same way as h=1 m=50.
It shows h=8 m=45
